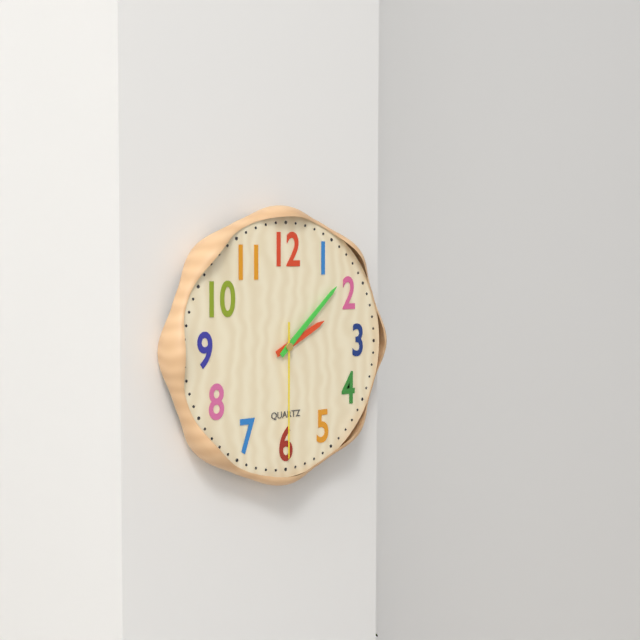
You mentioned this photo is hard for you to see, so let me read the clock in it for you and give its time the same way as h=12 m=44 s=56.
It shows h=2 m=8 s=30
